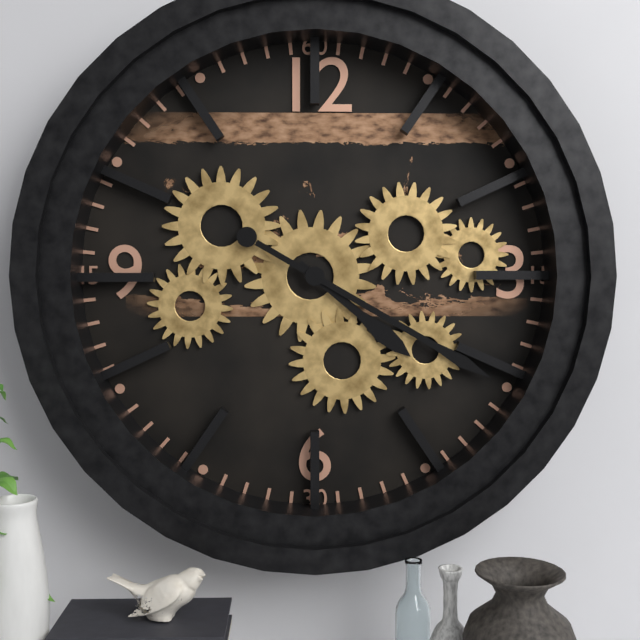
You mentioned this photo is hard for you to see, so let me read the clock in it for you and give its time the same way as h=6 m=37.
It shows h=4 m=20
